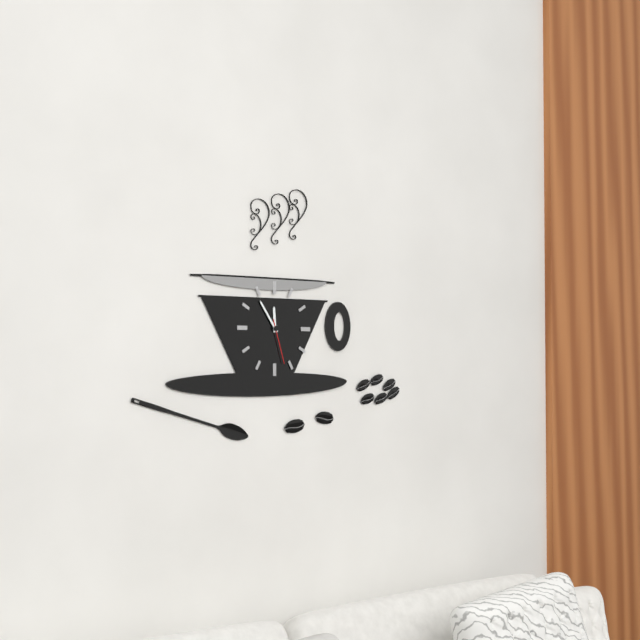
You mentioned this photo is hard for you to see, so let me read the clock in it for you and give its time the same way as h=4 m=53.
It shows h=11 m=54
